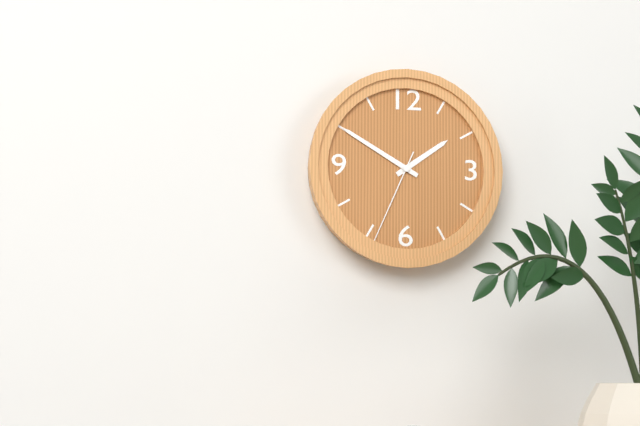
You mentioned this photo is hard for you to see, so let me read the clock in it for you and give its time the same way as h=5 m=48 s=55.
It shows h=1 m=50 s=34
